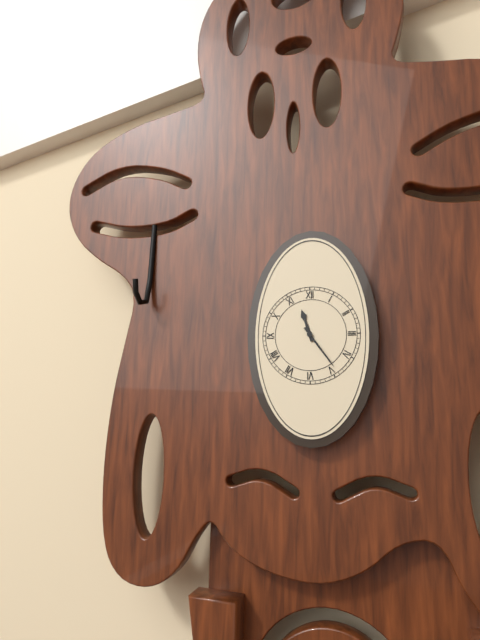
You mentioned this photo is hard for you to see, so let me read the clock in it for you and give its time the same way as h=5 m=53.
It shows h=11 m=24
